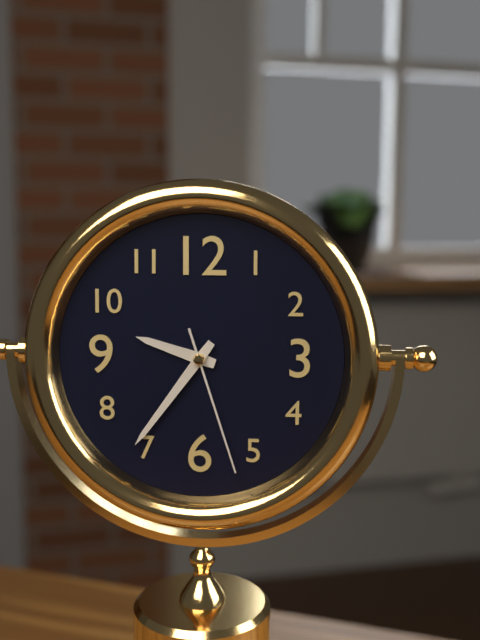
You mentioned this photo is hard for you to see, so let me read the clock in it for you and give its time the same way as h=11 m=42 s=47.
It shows h=9 m=36 s=27
